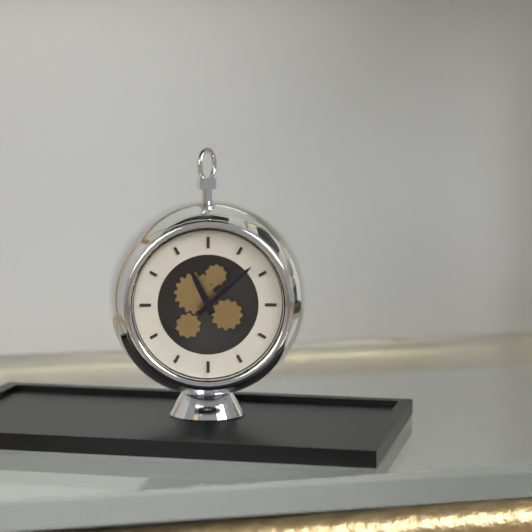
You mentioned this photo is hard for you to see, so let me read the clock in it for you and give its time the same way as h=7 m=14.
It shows h=11 m=8
